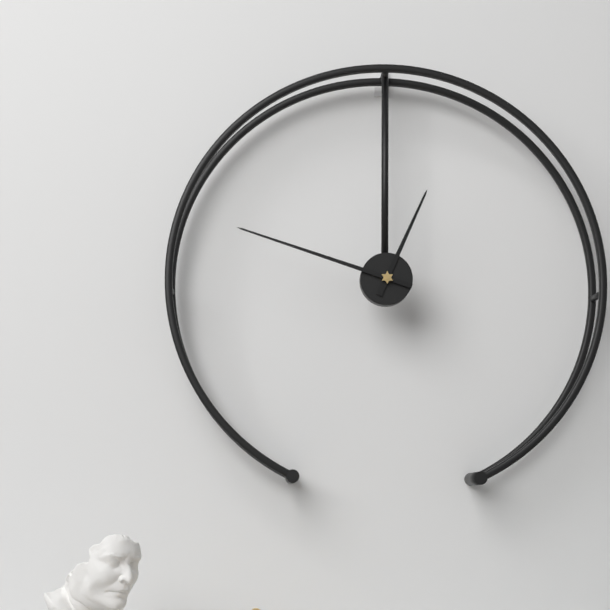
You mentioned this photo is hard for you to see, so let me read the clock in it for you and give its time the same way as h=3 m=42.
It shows h=12 m=48
